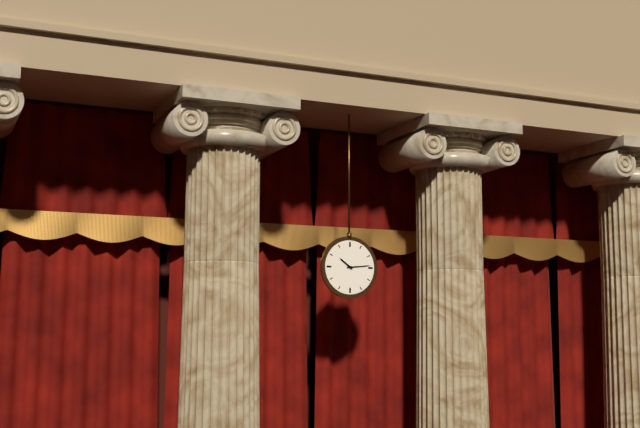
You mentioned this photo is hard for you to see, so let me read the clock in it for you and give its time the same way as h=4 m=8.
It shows h=10 m=14
